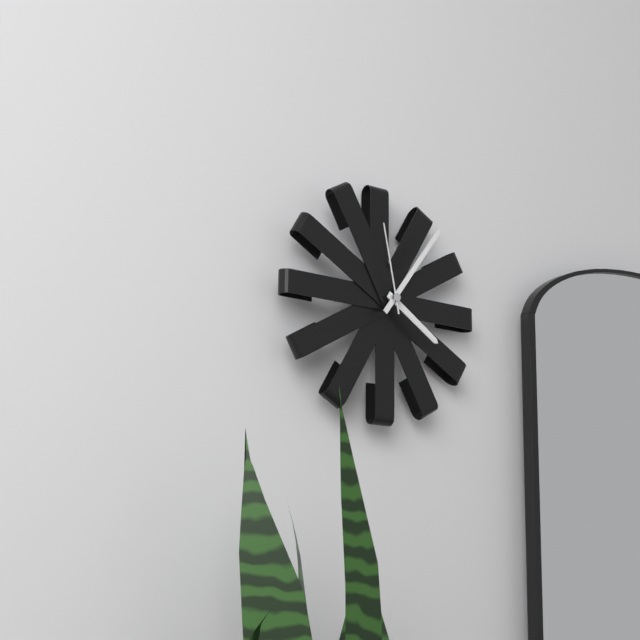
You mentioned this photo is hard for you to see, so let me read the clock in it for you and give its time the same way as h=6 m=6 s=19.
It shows h=4 m=6 s=58
